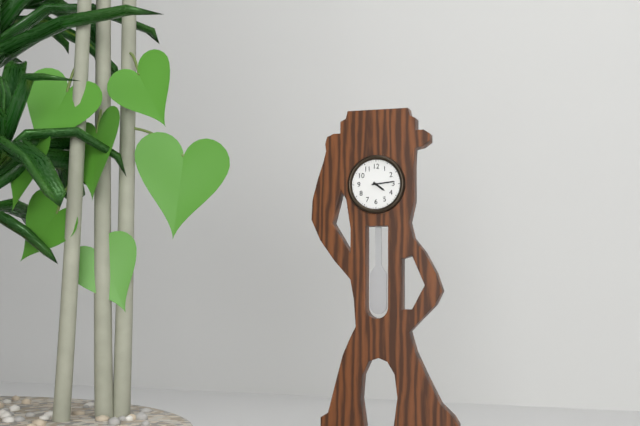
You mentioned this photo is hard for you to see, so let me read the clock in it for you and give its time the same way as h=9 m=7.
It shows h=4 m=14
